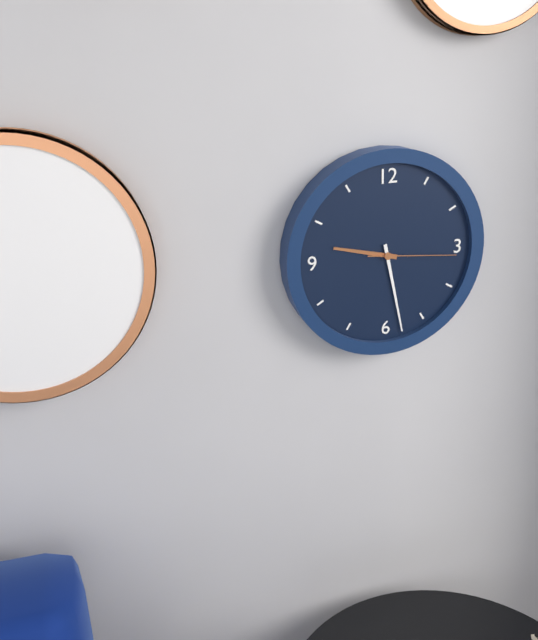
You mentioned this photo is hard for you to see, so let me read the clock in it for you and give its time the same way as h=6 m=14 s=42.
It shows h=9 m=28 s=16
